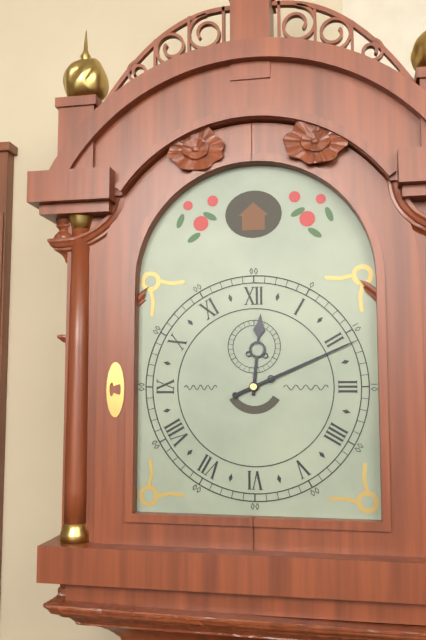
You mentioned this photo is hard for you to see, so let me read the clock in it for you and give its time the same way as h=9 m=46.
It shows h=12 m=11
